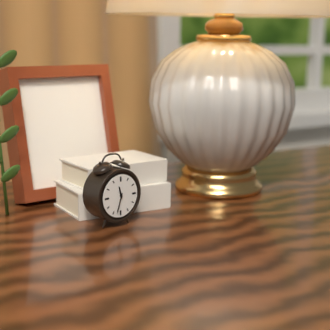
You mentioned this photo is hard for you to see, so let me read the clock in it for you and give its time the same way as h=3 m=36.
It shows h=11 m=33
